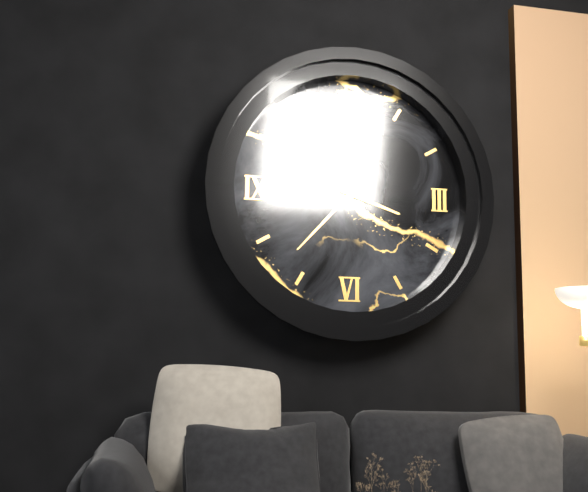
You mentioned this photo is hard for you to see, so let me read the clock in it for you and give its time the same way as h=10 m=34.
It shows h=3 m=37
